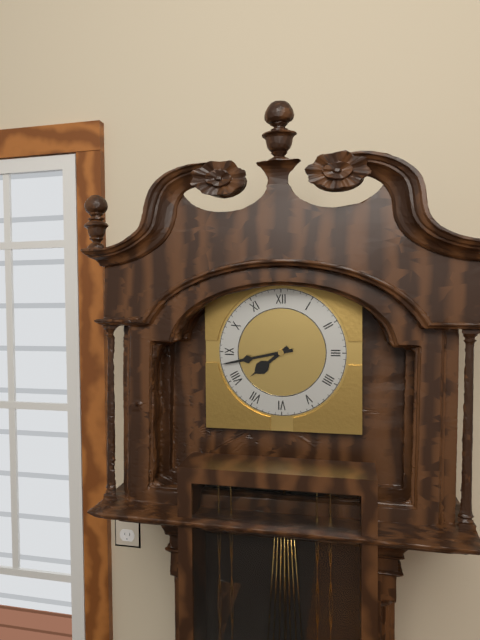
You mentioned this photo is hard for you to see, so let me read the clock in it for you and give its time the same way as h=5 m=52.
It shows h=7 m=43
